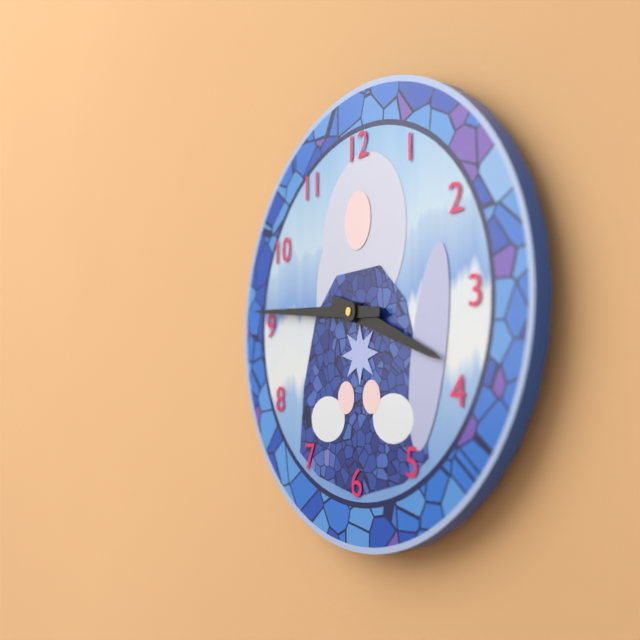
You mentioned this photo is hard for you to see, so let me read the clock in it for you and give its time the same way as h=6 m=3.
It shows h=3 m=46
